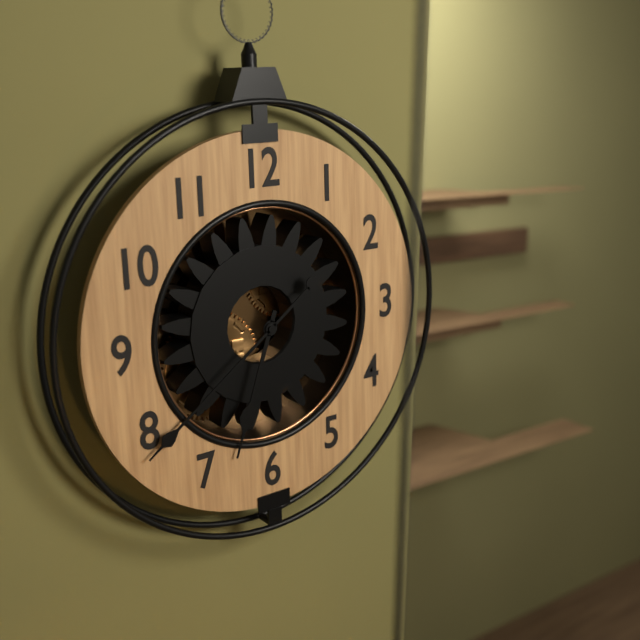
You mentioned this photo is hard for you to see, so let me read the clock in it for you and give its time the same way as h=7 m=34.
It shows h=6 m=39
